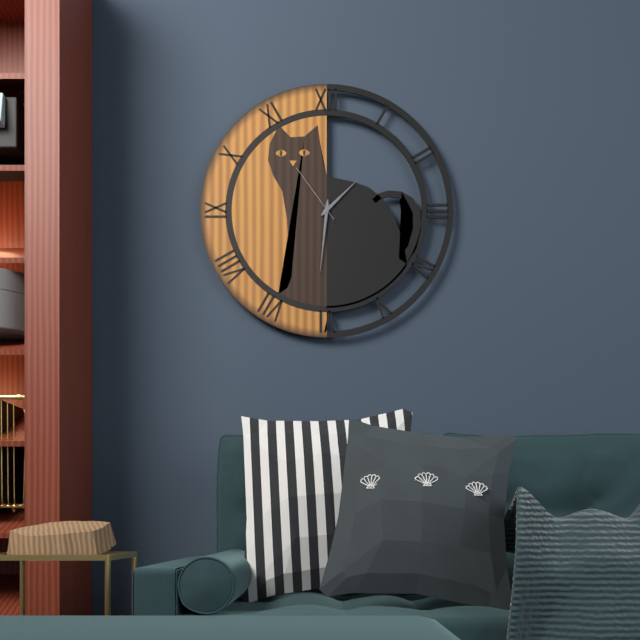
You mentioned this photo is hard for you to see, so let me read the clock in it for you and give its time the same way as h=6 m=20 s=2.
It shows h=1 m=31 s=54
